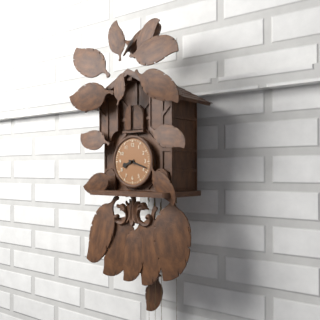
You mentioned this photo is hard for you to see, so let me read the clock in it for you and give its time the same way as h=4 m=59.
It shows h=8 m=18
